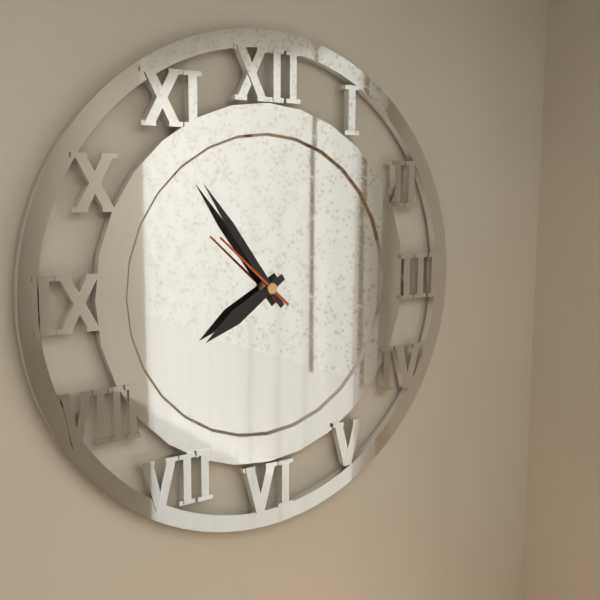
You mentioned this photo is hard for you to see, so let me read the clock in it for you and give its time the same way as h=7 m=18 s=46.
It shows h=7 m=54 s=52
